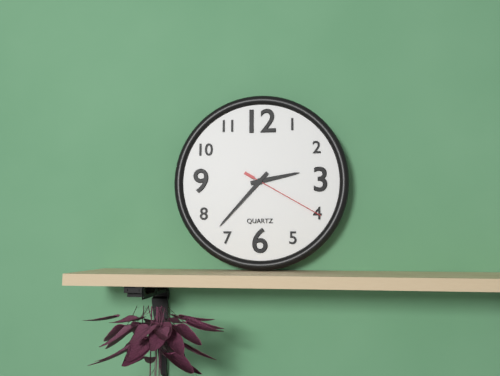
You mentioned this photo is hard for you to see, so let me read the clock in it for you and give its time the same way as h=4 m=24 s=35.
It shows h=2 m=37 s=20
